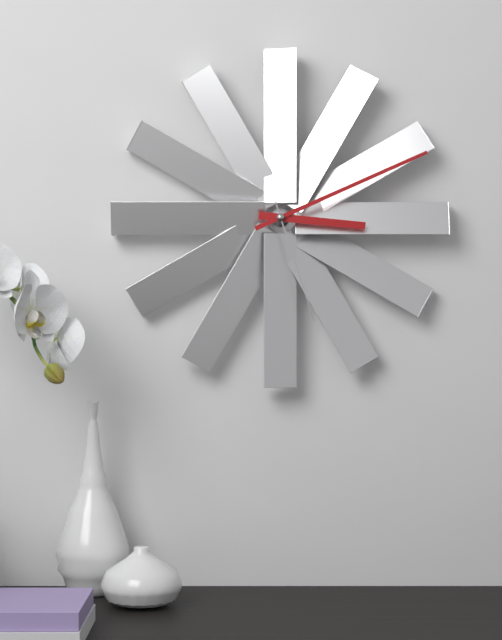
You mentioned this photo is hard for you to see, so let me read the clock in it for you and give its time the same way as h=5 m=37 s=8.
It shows h=3 m=11 s=27
